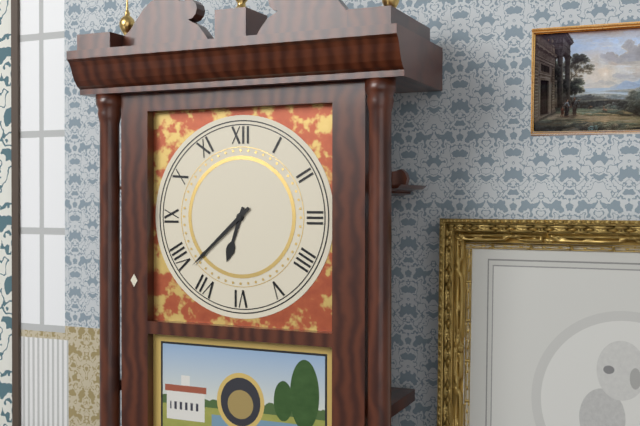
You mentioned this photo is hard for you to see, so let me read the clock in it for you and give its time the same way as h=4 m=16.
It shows h=6 m=38
